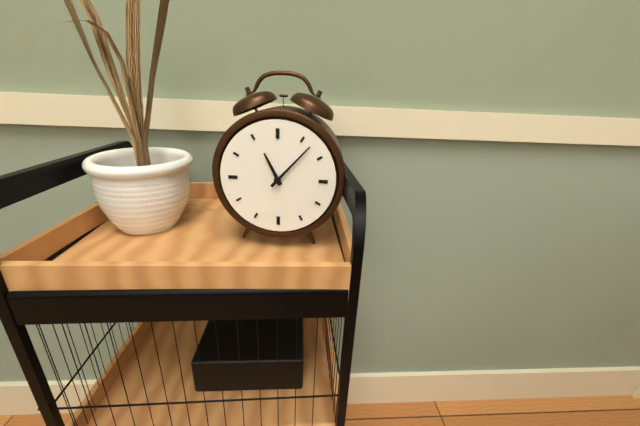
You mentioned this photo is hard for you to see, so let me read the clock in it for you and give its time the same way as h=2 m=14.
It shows h=11 m=7
